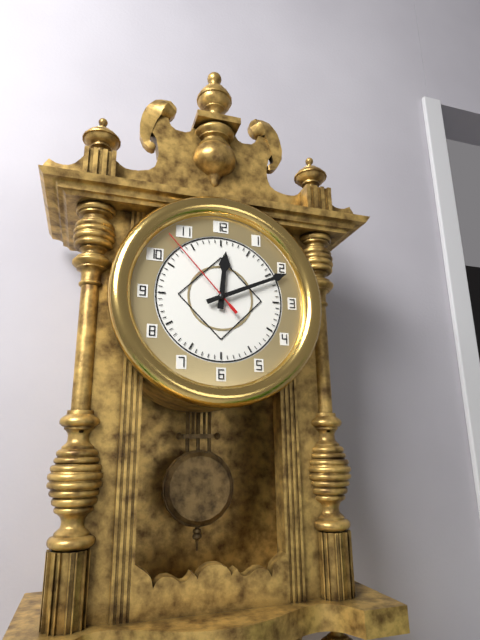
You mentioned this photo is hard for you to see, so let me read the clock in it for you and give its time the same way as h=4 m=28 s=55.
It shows h=12 m=11 s=53
